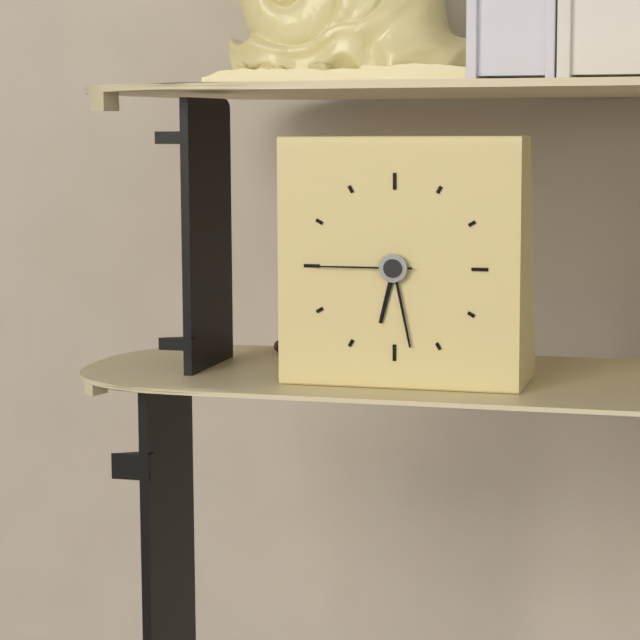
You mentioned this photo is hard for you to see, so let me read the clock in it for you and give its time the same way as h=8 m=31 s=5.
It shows h=6 m=28 s=45
